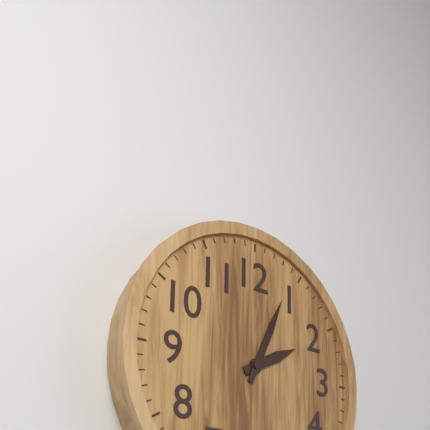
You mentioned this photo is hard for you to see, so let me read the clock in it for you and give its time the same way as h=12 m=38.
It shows h=2 m=4
